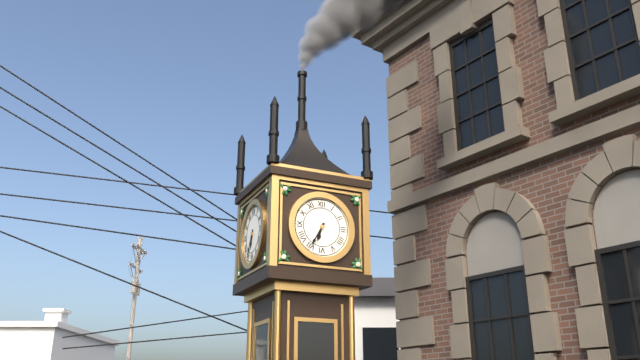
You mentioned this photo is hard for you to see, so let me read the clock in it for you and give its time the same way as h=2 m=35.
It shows h=6 m=35
